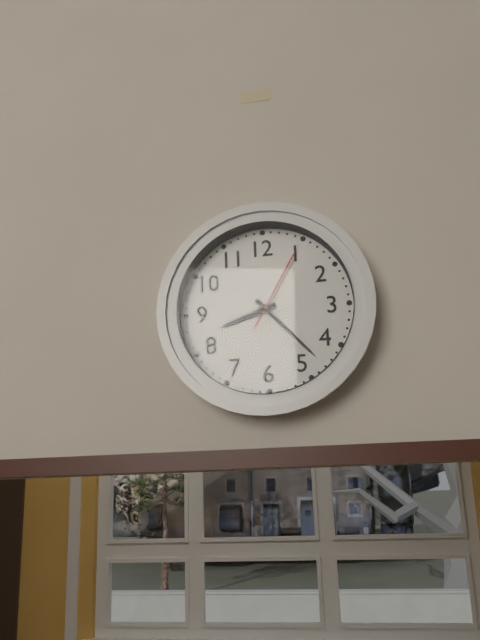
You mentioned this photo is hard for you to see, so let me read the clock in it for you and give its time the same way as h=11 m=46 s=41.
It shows h=8 m=23 s=5
